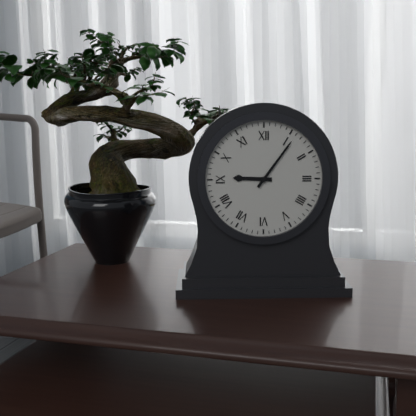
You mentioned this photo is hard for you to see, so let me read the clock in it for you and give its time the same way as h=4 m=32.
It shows h=9 m=6
